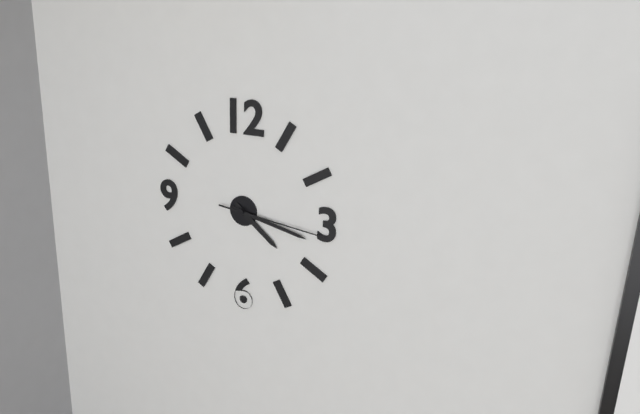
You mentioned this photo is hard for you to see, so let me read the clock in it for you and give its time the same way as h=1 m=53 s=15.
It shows h=4 m=17 s=16
